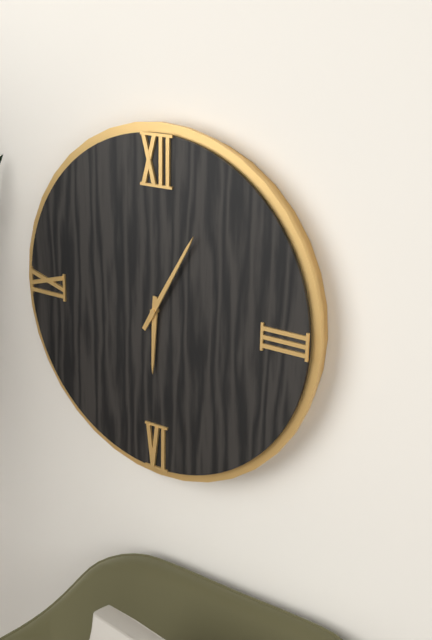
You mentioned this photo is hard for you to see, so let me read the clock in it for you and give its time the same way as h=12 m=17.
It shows h=6 m=5
